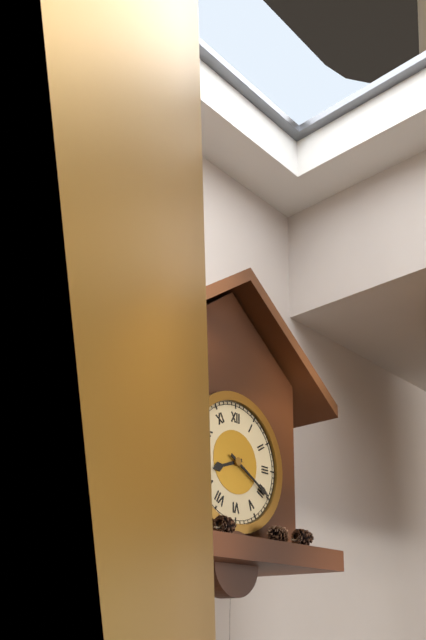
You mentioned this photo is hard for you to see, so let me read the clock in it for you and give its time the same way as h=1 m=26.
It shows h=8 m=20
